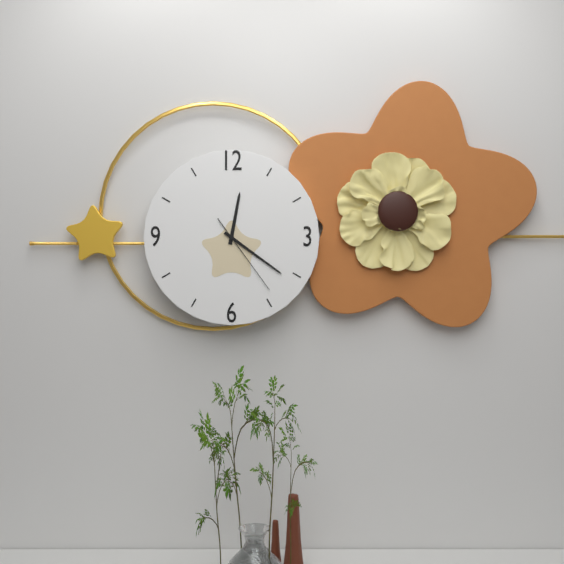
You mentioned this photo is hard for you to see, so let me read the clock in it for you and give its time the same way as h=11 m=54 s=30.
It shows h=12 m=21 s=24
